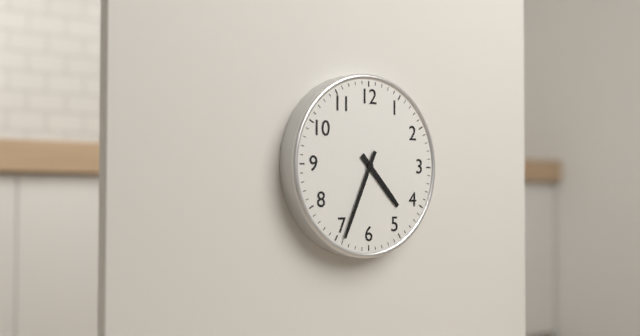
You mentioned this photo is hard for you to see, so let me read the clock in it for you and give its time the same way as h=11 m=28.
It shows h=4 m=34
